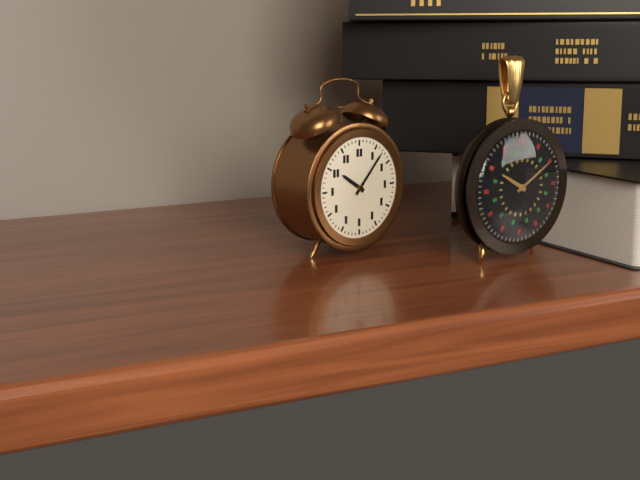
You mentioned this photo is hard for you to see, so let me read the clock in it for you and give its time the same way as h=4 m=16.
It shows h=10 m=7
